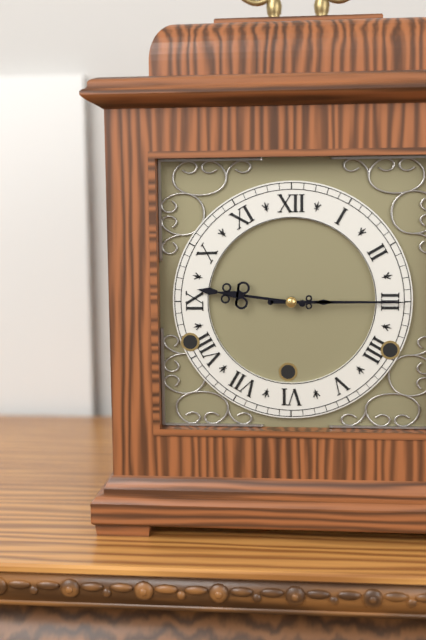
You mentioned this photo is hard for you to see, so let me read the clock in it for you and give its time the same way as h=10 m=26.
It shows h=9 m=15
